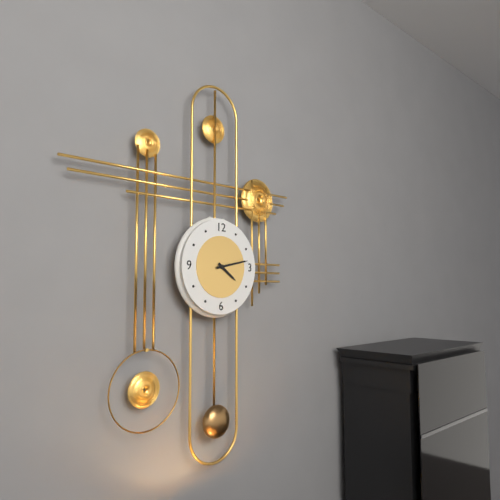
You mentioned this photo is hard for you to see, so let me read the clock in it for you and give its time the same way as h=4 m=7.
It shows h=4 m=13
